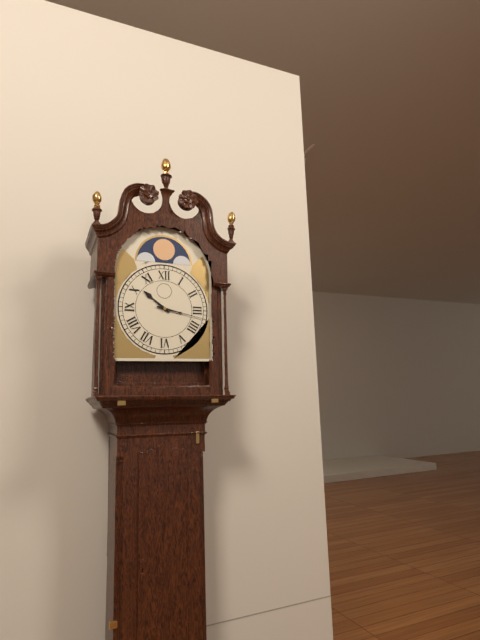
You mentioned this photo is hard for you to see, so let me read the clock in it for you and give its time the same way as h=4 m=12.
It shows h=10 m=17
